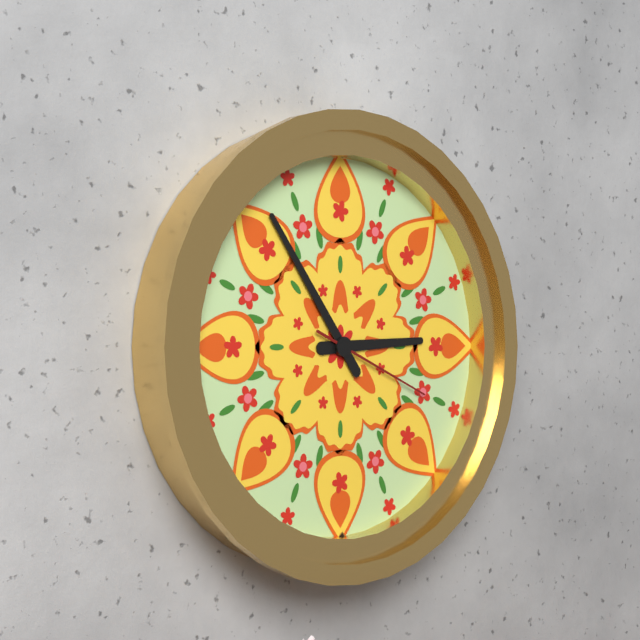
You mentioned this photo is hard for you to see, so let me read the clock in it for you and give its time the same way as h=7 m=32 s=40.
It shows h=2 m=54 s=19
